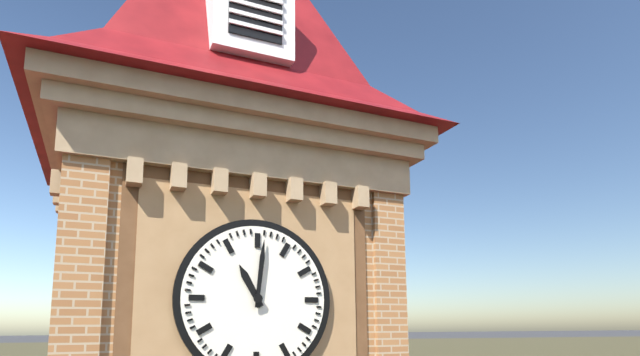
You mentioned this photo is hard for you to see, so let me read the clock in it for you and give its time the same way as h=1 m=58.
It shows h=11 m=1
